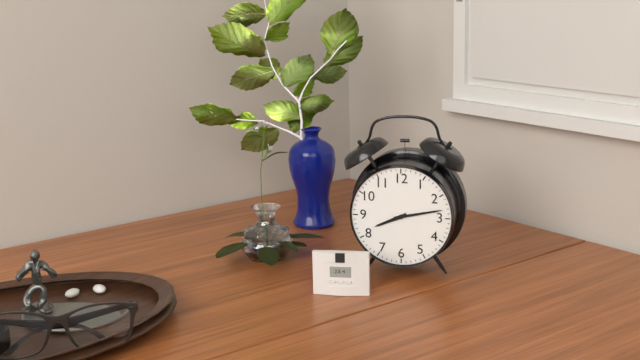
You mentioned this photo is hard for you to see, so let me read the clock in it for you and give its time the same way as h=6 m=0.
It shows h=8 m=13
